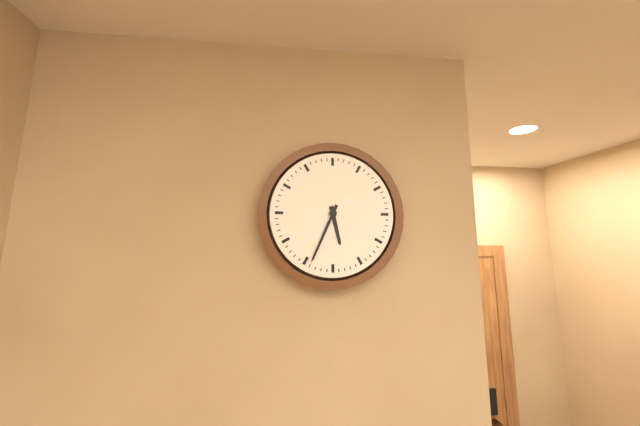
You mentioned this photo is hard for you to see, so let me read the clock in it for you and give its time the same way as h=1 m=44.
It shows h=5 m=34
